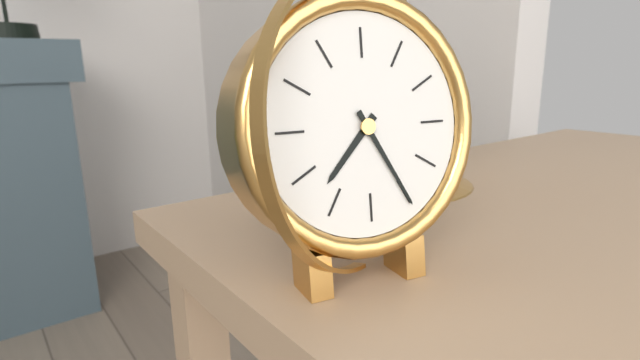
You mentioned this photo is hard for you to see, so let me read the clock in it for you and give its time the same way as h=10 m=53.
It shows h=7 m=25
